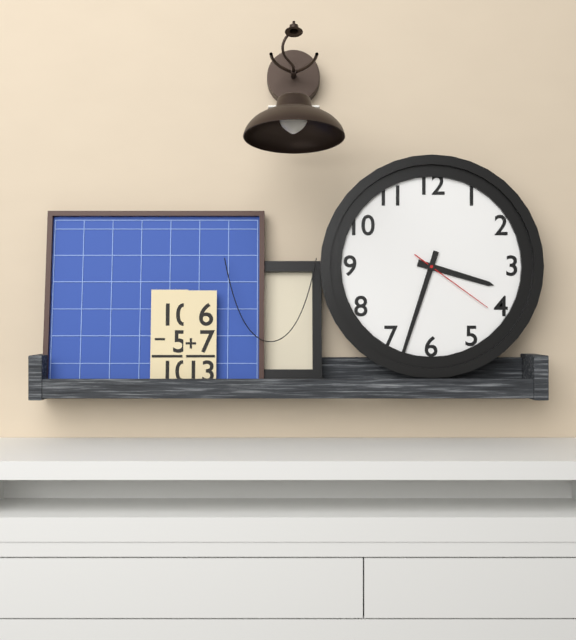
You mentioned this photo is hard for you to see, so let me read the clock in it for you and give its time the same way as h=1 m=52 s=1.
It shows h=3 m=33 s=21
